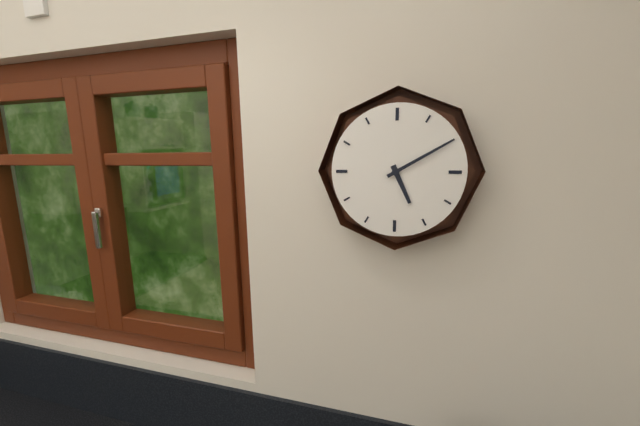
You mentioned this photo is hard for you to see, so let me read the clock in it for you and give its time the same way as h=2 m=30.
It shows h=5 m=10
